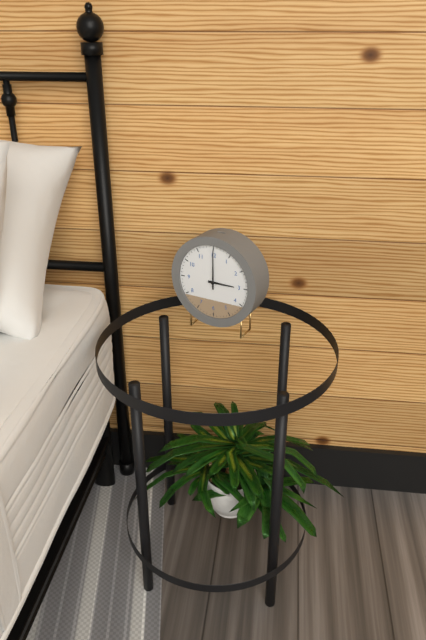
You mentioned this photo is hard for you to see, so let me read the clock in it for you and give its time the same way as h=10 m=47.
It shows h=3 m=0
